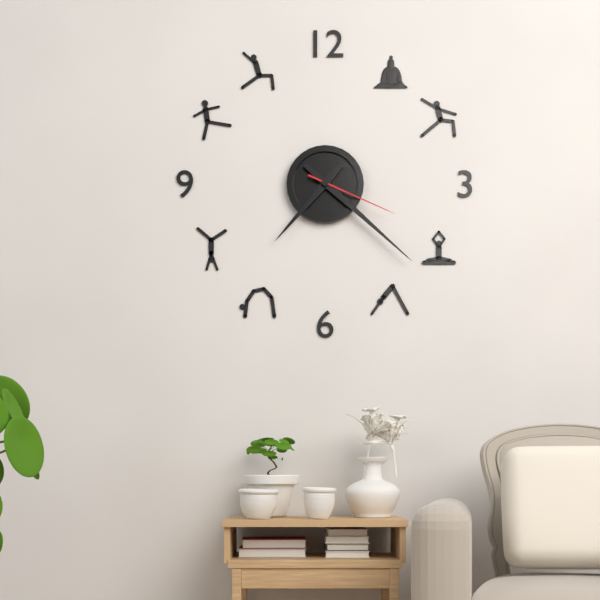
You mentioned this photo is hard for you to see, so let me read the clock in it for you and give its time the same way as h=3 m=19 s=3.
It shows h=7 m=22 s=19
